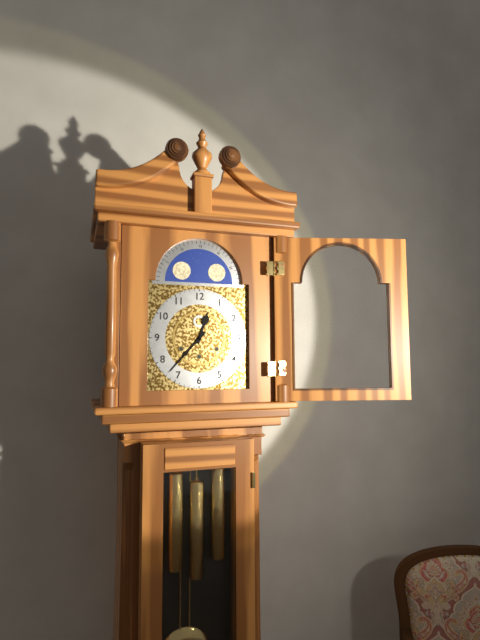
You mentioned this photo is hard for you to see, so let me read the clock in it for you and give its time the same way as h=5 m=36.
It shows h=12 m=37
